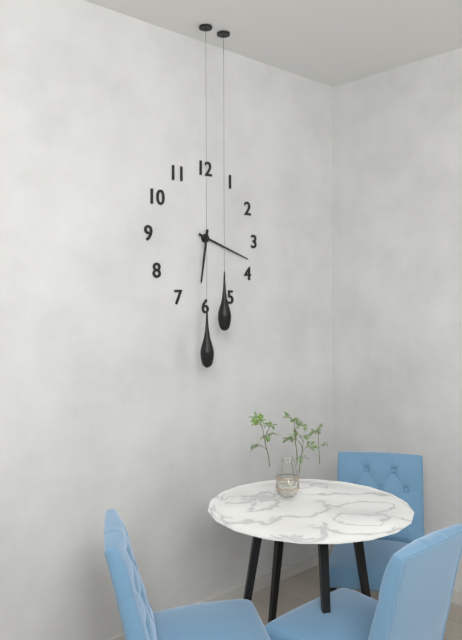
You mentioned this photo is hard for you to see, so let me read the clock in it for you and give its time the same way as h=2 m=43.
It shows h=6 m=18
